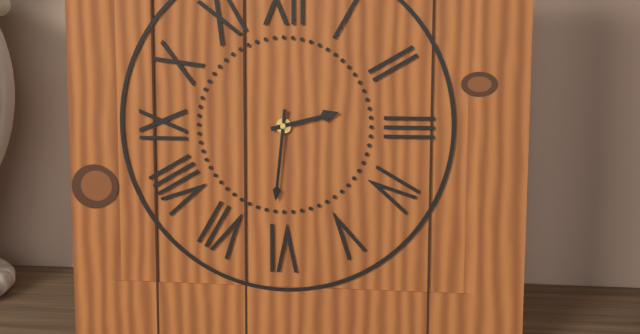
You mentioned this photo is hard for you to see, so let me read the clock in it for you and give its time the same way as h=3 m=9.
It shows h=2 m=31
